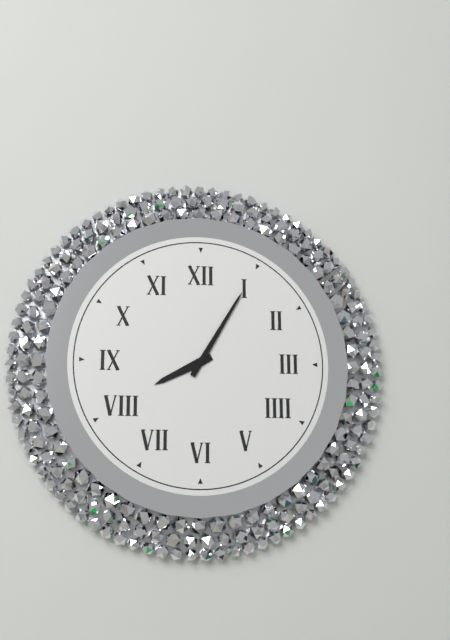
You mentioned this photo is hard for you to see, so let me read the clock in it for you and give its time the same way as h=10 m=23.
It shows h=8 m=5
